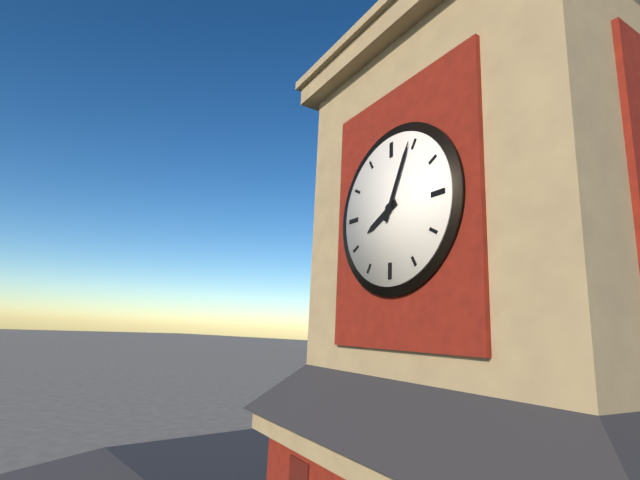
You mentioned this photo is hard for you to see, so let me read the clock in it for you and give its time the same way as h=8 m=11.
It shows h=8 m=4
